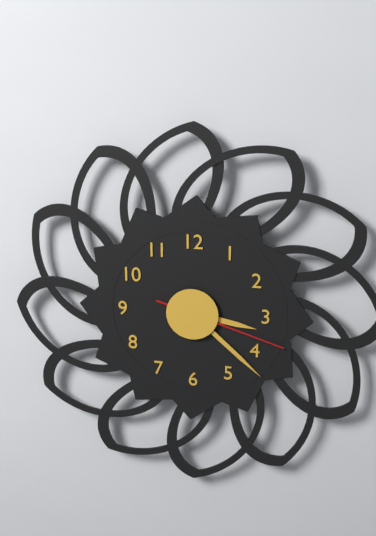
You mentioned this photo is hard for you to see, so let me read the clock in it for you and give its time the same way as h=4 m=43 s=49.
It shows h=3 m=22 s=18
